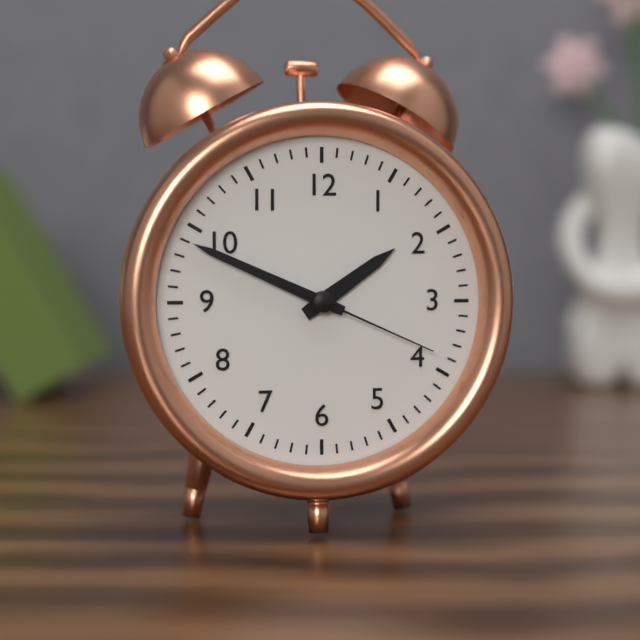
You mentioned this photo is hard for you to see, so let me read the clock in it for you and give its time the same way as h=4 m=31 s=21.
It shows h=1 m=49 s=19
